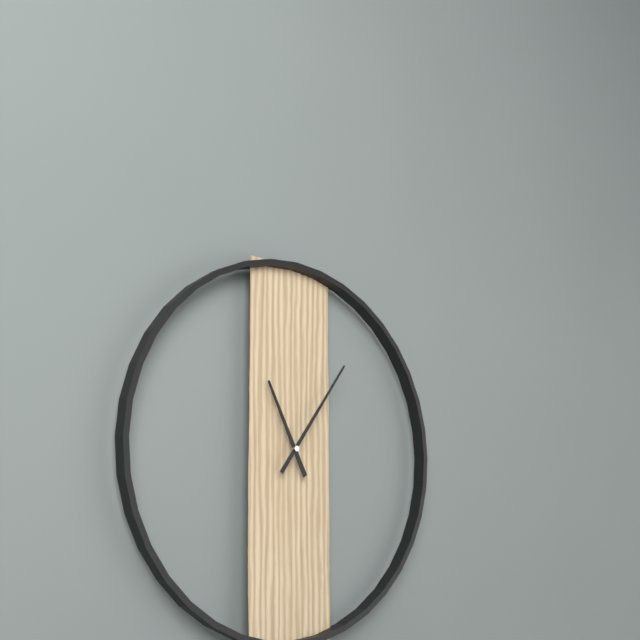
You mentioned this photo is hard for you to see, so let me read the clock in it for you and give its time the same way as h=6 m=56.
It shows h=11 m=6
